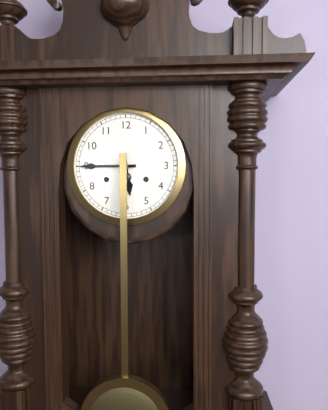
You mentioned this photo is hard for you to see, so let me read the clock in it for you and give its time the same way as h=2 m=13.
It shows h=5 m=45
